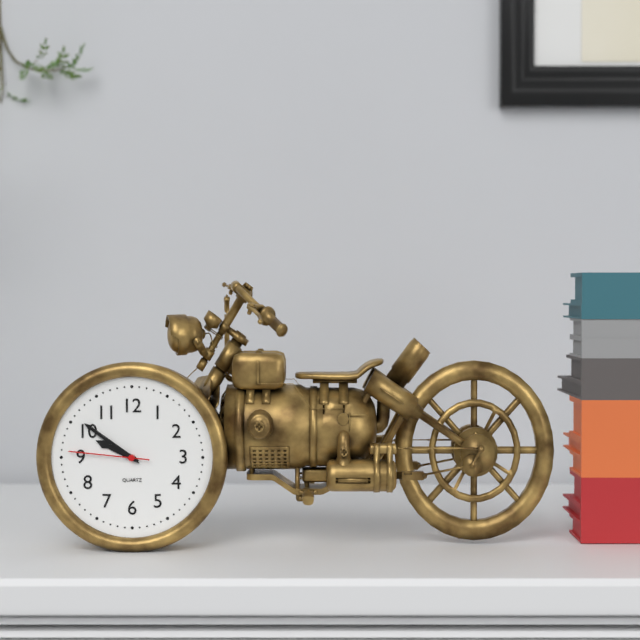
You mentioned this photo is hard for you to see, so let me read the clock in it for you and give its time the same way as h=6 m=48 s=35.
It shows h=9 m=51 s=46
